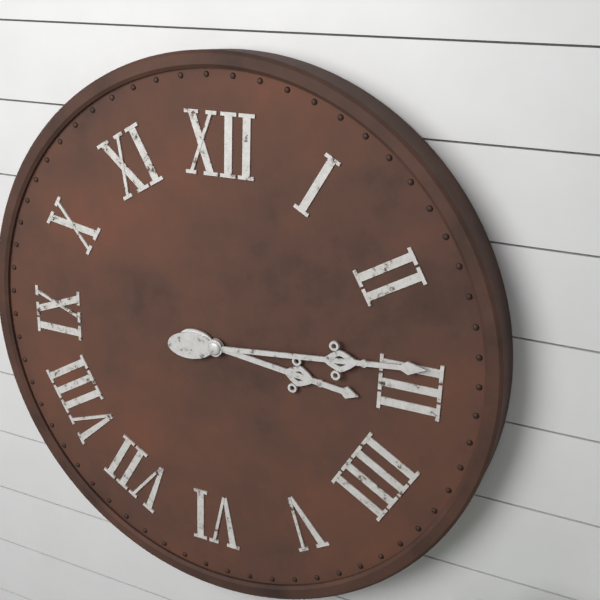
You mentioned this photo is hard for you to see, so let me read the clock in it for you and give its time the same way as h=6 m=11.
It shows h=3 m=14
